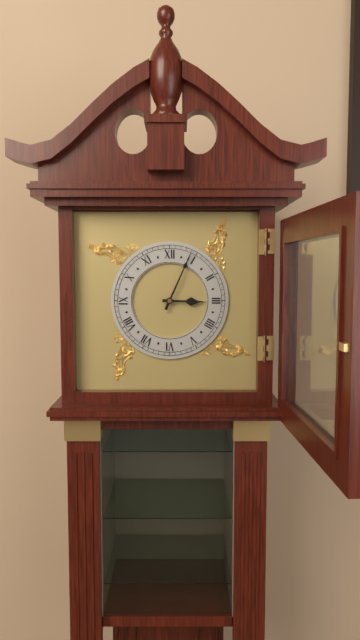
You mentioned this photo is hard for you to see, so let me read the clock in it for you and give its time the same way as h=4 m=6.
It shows h=3 m=4
